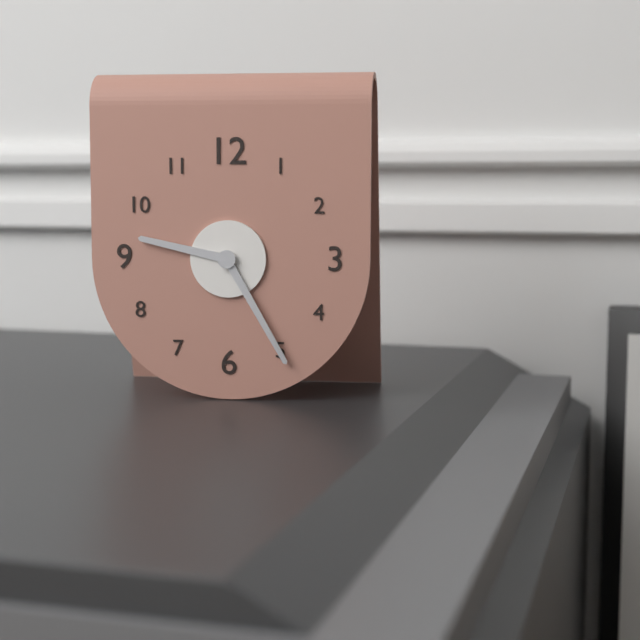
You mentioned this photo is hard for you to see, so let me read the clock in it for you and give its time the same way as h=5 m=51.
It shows h=9 m=25
